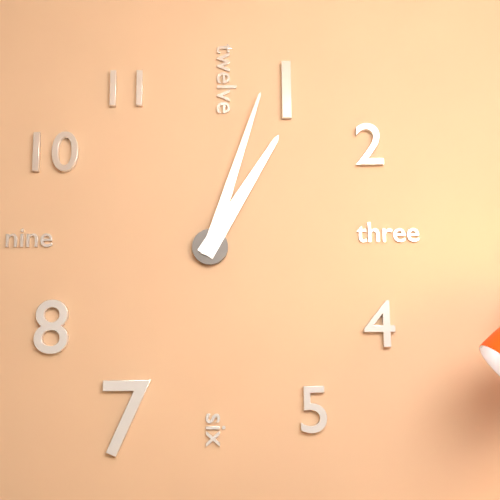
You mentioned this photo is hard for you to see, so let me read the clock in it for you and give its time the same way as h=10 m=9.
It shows h=1 m=3
